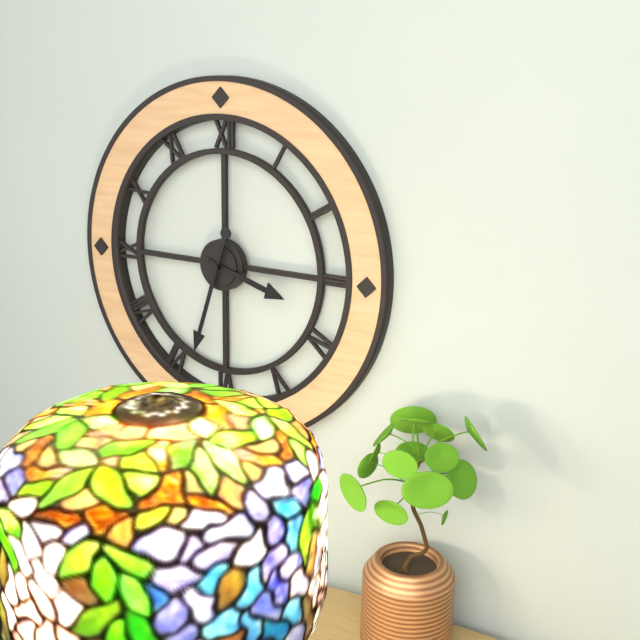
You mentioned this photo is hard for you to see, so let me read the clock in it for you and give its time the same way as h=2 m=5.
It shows h=3 m=33
